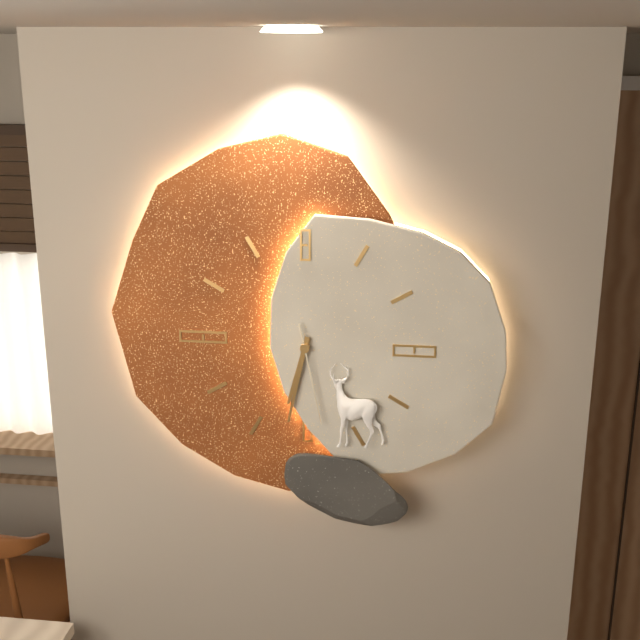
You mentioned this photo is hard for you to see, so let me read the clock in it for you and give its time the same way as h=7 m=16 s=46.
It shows h=6 m=32 s=28
